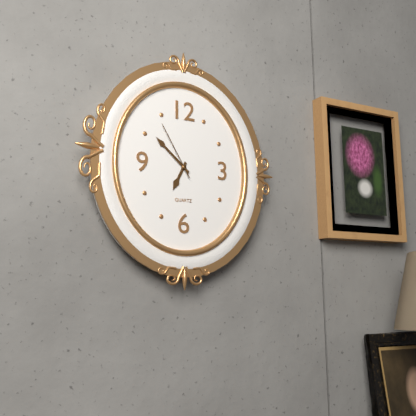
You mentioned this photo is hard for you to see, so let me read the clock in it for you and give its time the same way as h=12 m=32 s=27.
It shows h=6 m=52 s=55
